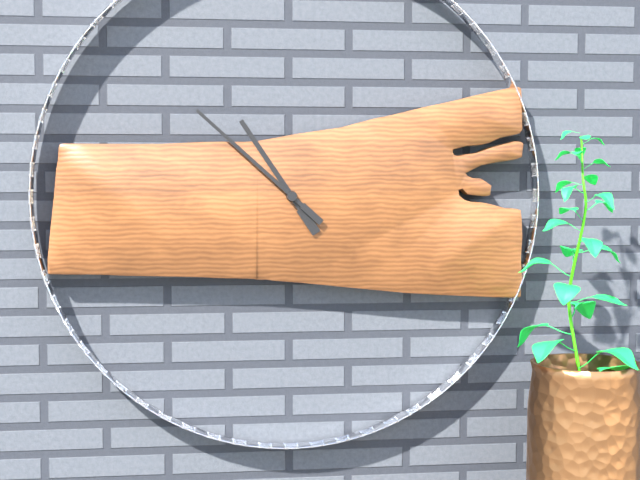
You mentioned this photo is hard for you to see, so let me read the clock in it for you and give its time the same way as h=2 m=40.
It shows h=10 m=52
